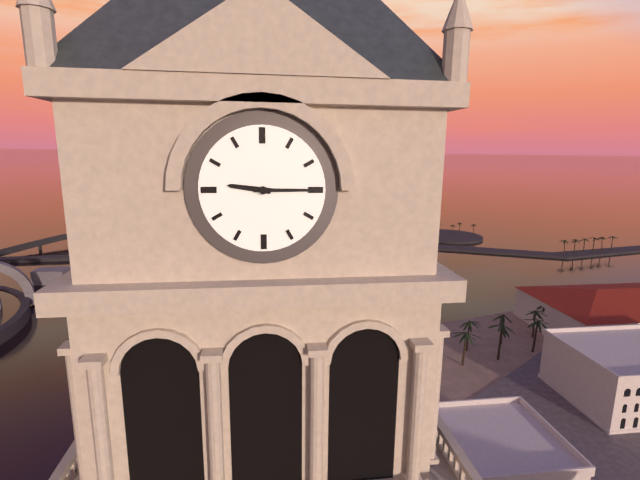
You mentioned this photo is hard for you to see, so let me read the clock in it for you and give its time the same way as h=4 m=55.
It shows h=9 m=15
